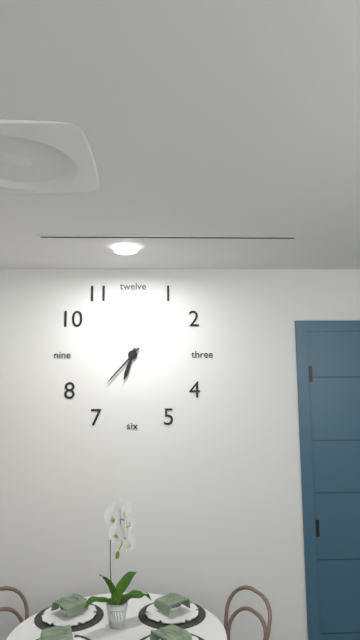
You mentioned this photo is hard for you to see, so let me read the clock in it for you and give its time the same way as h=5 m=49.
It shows h=6 m=37
